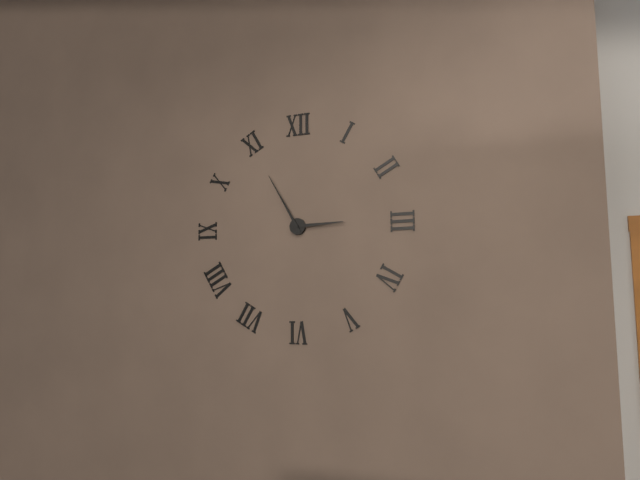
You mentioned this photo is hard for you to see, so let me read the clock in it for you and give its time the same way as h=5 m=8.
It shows h=2 m=55
